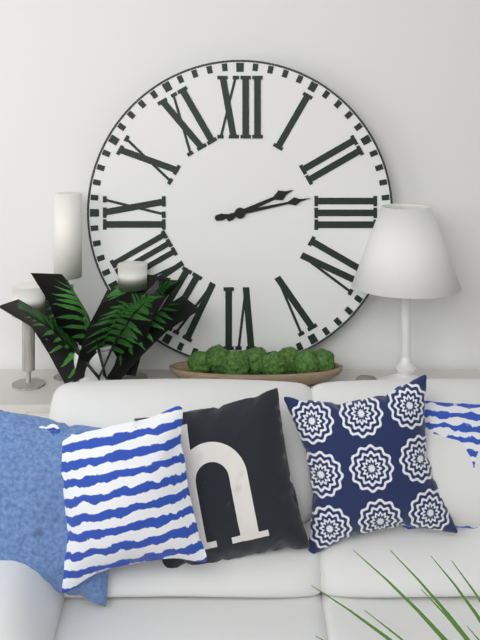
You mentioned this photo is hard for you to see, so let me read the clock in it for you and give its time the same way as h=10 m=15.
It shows h=2 m=13
